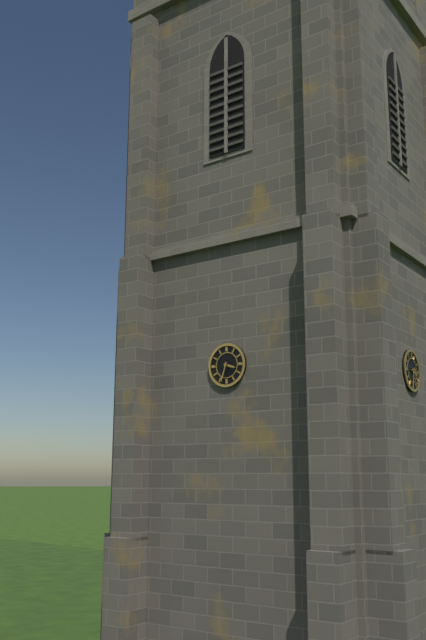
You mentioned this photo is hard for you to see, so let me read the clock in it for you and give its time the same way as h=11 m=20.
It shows h=3 m=33
